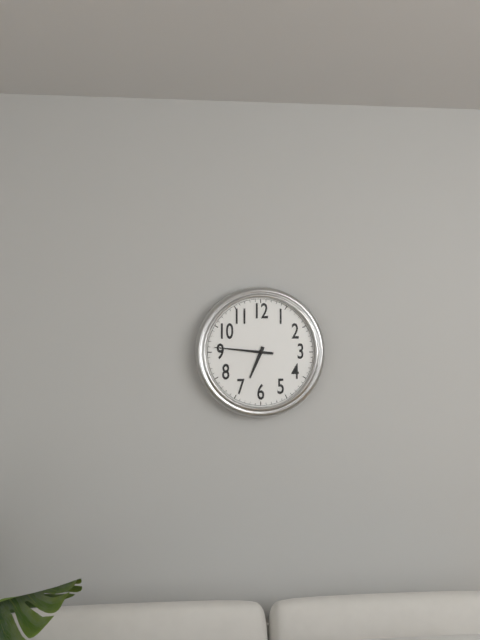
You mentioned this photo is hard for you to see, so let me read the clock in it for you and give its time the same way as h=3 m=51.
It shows h=6 m=46
